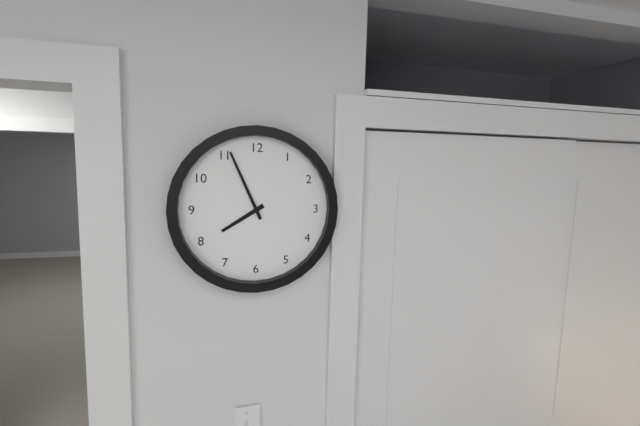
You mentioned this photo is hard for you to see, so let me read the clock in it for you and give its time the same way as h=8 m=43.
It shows h=7 m=56
